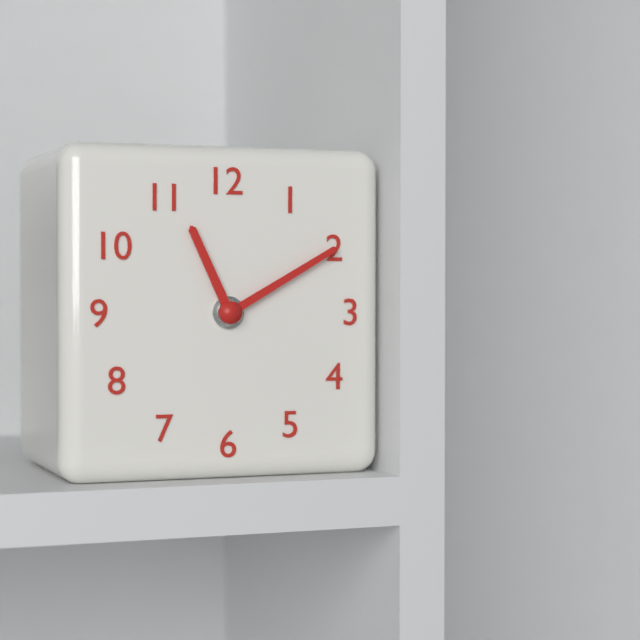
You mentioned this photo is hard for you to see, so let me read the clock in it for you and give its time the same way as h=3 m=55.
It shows h=11 m=10
